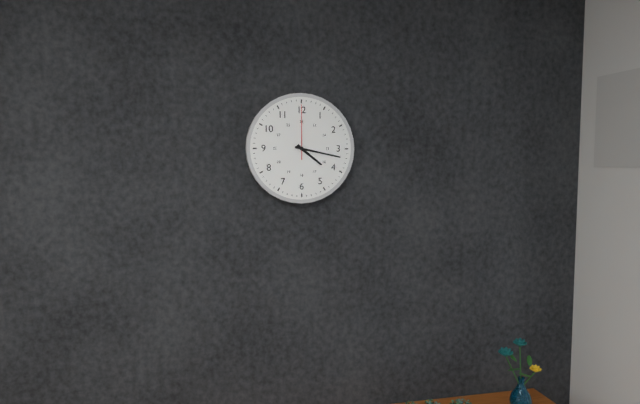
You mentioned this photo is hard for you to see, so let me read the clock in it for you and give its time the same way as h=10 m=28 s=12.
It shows h=4 m=17 s=0
